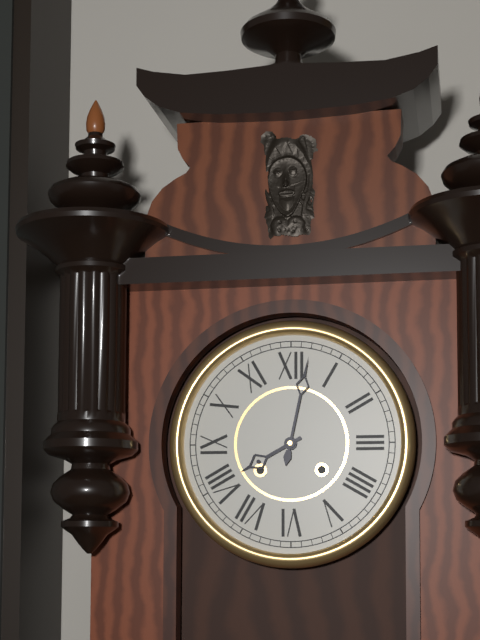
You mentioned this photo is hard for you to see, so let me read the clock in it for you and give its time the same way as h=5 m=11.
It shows h=8 m=2
